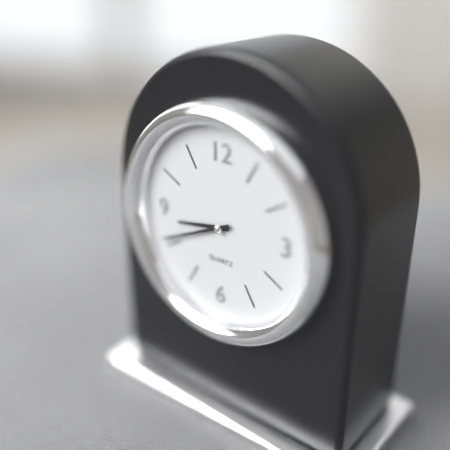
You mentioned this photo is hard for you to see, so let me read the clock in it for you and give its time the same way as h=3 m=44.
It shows h=8 m=41
